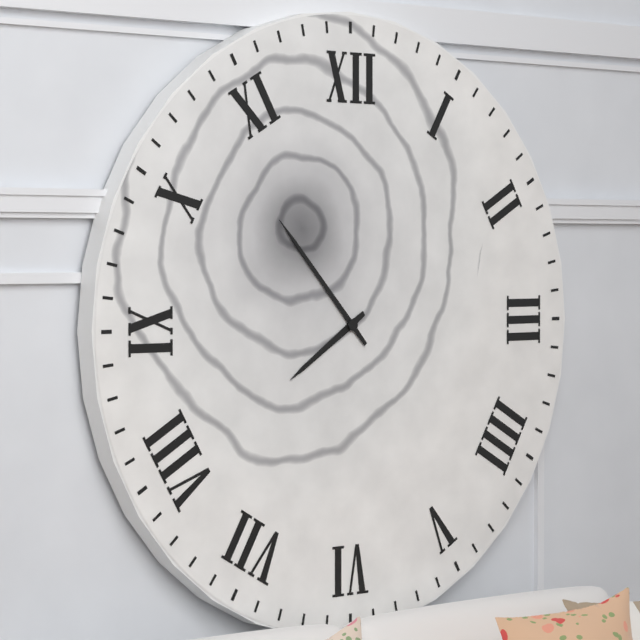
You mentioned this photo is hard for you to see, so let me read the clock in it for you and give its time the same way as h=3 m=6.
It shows h=7 m=53
